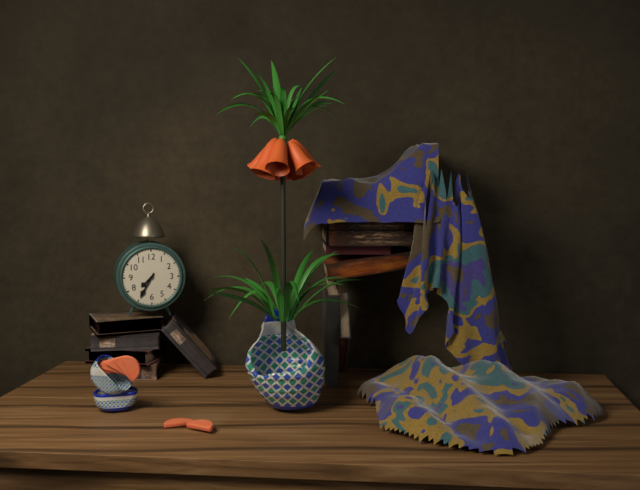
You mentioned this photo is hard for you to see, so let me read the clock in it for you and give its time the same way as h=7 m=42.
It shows h=7 m=35
